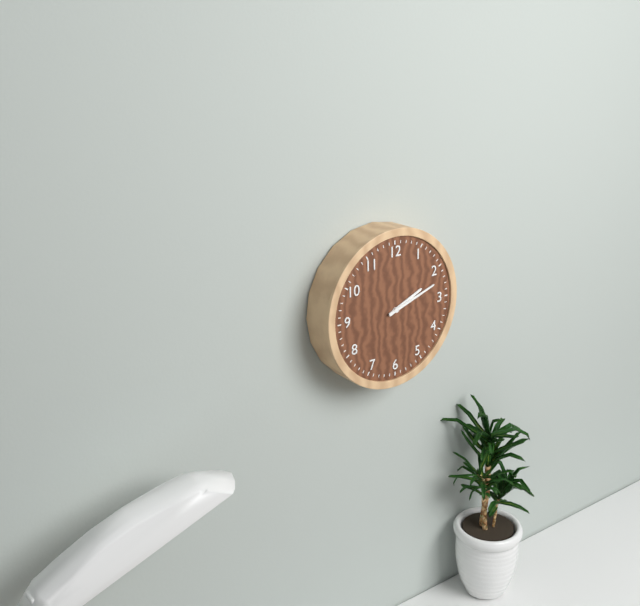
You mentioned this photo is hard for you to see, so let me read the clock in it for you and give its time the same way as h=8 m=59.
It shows h=2 m=12
